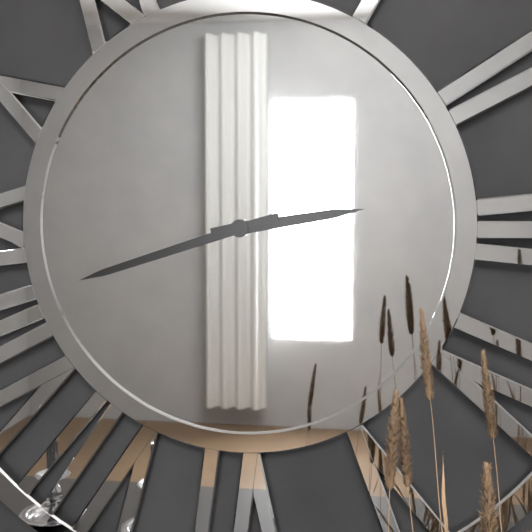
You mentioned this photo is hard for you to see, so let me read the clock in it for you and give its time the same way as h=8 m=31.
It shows h=2 m=42
